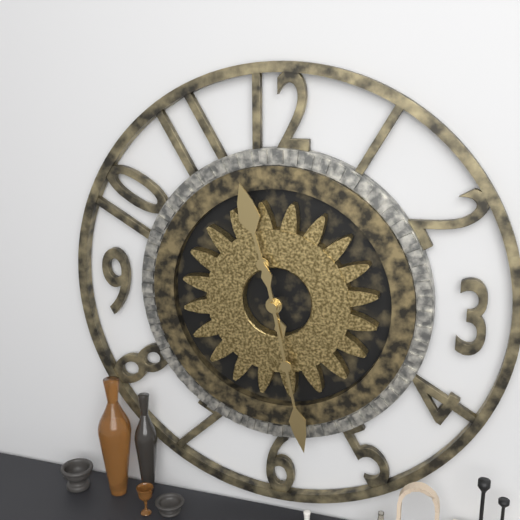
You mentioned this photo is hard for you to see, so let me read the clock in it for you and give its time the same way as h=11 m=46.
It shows h=11 m=28
